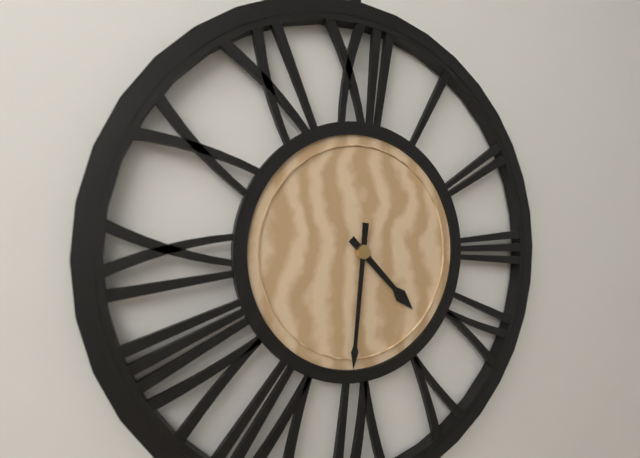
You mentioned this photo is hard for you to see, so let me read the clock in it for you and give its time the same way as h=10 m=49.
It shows h=4 m=31
